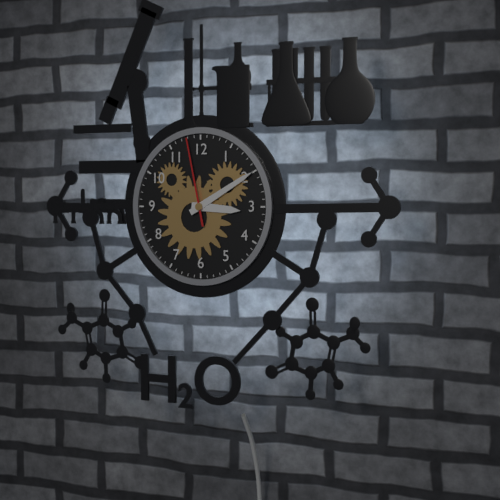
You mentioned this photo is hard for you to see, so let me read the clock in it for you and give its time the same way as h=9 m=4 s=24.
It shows h=3 m=10 s=58
